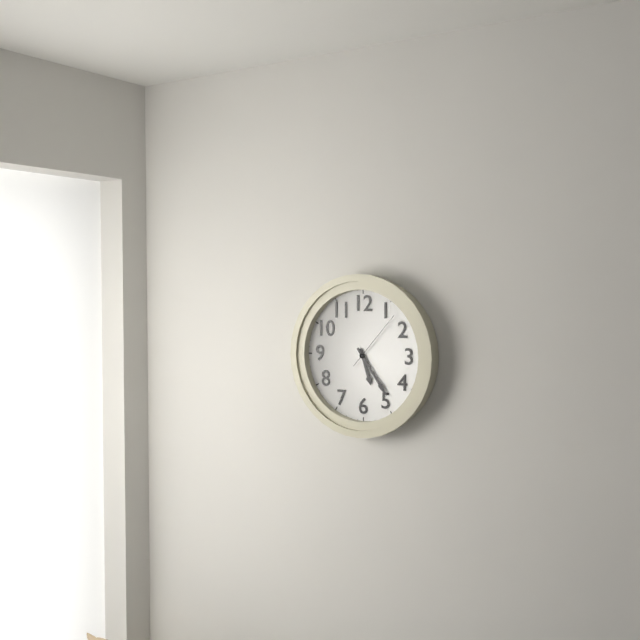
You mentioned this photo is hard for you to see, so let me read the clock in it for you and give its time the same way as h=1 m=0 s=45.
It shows h=5 m=24 s=7
